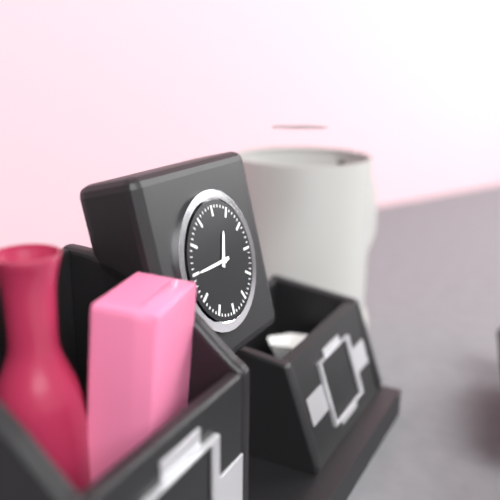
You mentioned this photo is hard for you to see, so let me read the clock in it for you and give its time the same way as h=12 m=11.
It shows h=12 m=45
